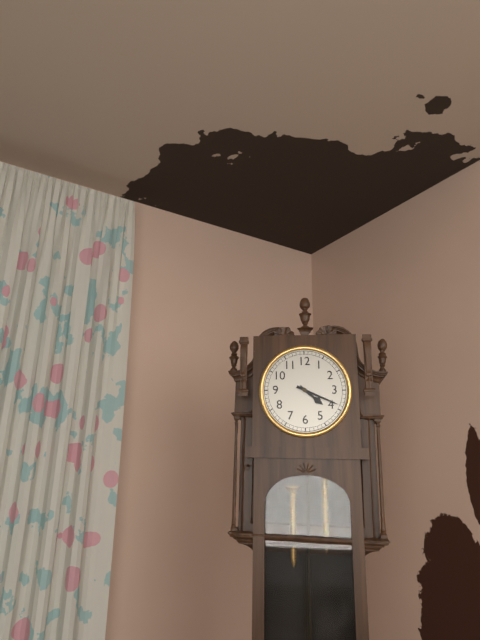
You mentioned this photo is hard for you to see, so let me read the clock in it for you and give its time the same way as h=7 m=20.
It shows h=4 m=19
